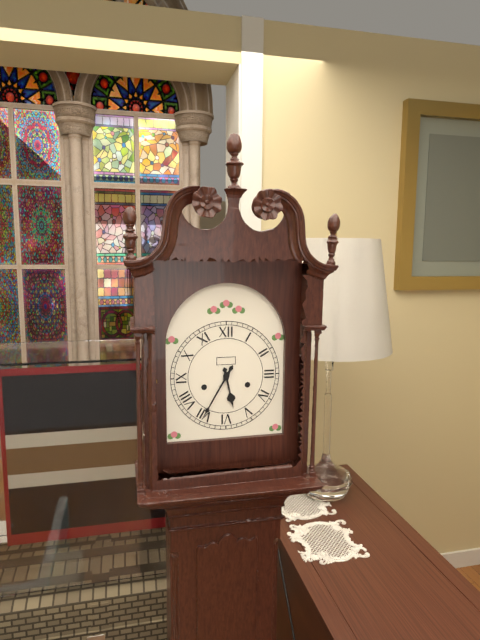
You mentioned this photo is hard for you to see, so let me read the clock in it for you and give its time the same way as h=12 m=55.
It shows h=5 m=35
